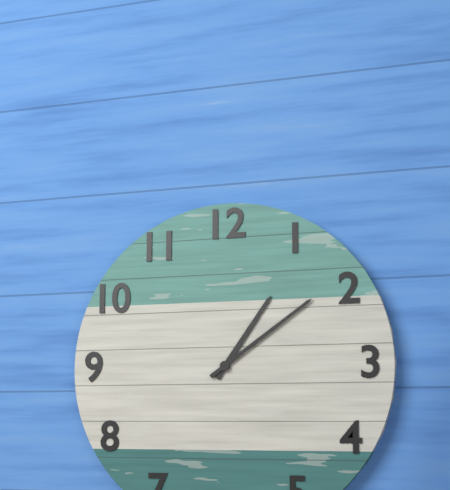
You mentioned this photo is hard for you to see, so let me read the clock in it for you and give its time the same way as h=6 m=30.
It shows h=1 m=9
